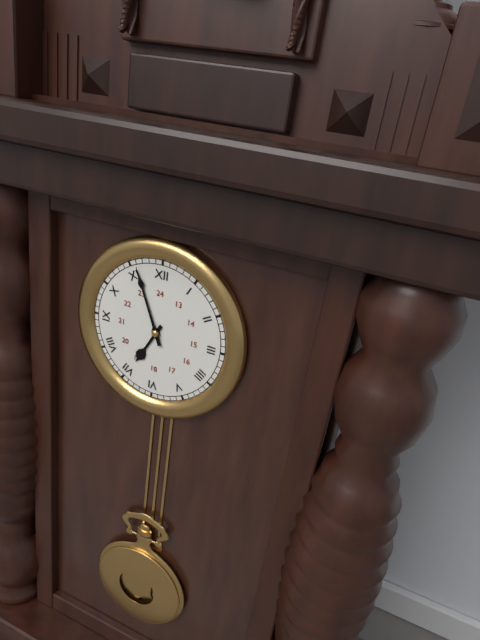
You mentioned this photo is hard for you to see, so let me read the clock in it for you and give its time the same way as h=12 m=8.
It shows h=6 m=56
